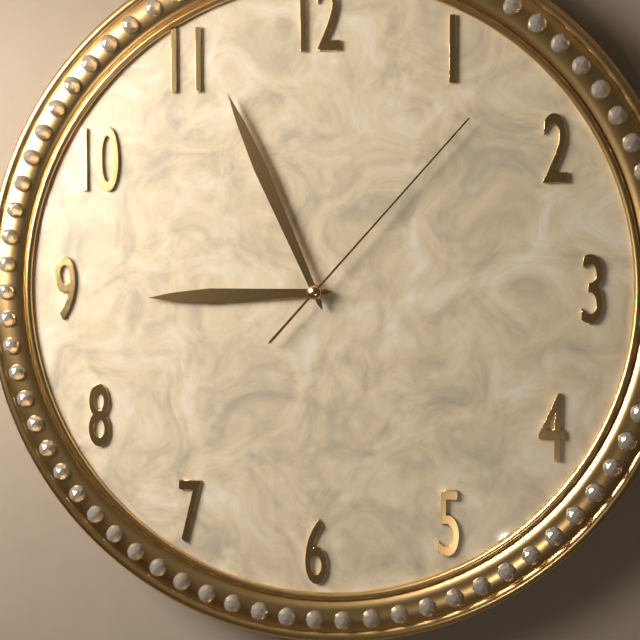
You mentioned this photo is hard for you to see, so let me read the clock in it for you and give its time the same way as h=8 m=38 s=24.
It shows h=8 m=56 s=7
